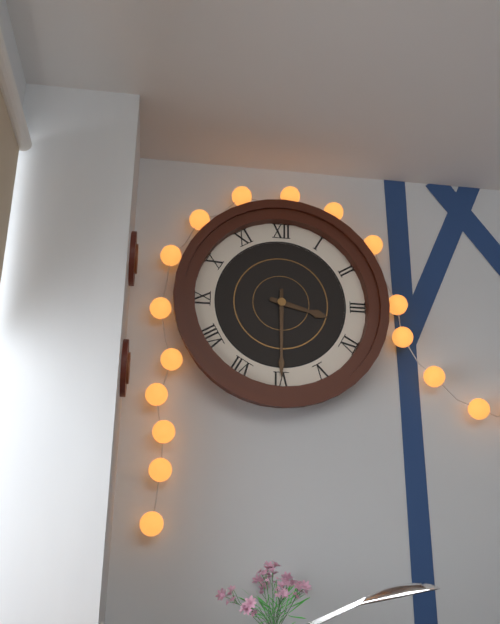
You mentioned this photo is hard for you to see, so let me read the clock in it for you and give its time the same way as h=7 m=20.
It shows h=3 m=30
